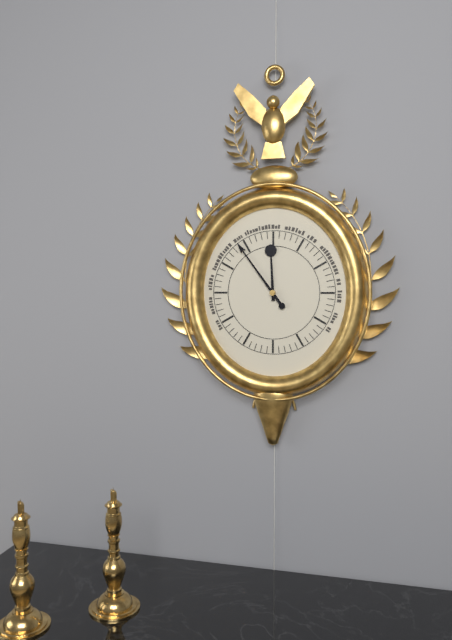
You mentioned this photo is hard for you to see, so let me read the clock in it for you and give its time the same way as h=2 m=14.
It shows h=11 m=54
